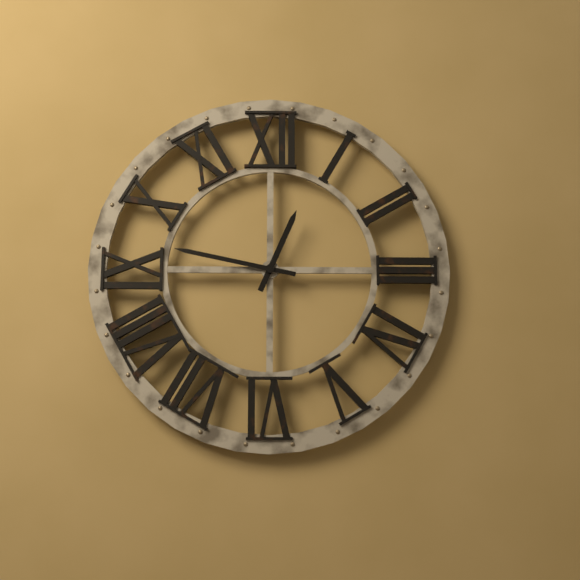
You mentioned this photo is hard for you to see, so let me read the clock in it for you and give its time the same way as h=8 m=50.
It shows h=12 m=47
